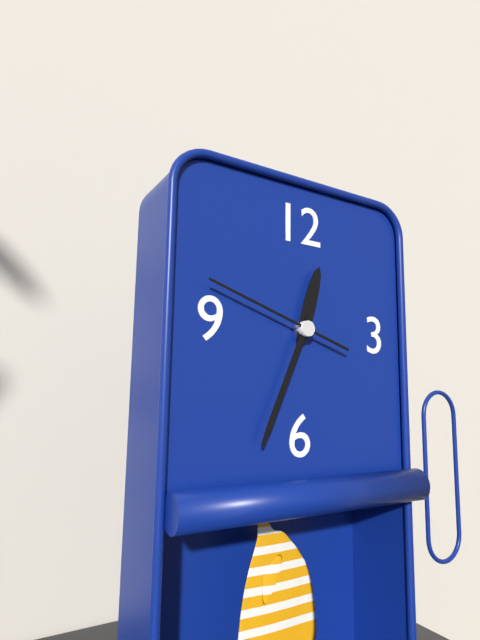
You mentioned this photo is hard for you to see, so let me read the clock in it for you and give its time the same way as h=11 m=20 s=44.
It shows h=12 m=34 s=48
